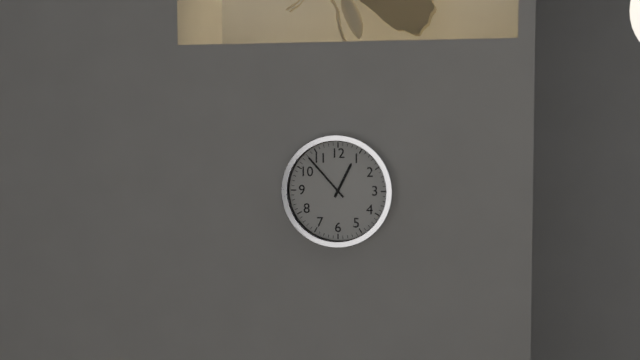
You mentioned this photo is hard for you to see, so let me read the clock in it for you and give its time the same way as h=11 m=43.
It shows h=12 m=53
